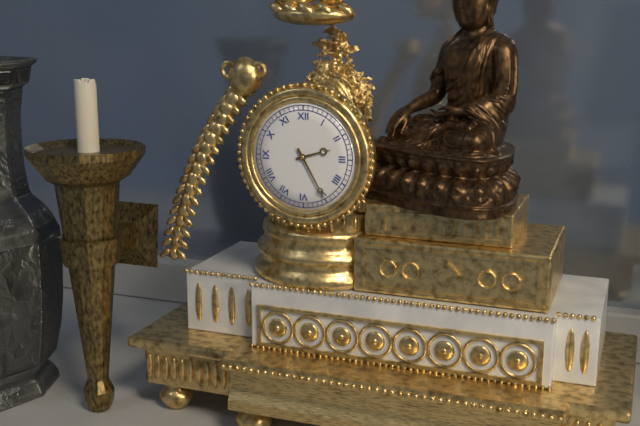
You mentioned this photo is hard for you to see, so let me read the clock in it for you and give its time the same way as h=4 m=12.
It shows h=2 m=25
